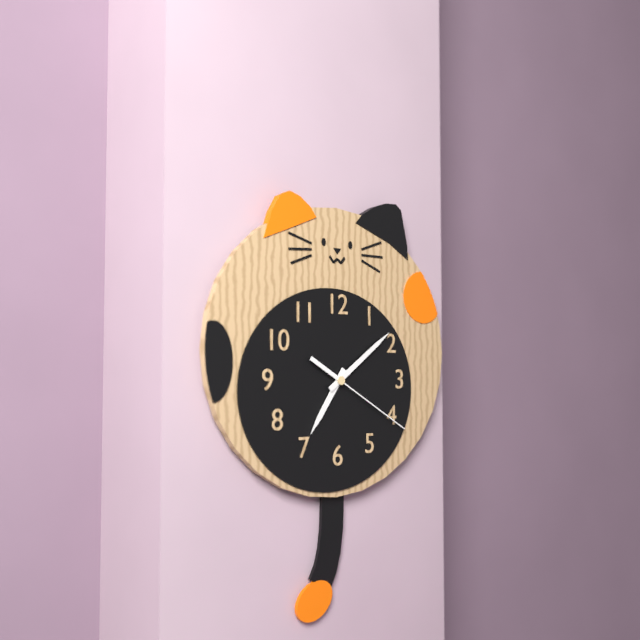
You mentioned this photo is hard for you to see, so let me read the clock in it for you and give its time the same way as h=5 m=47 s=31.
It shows h=7 m=9 s=20
